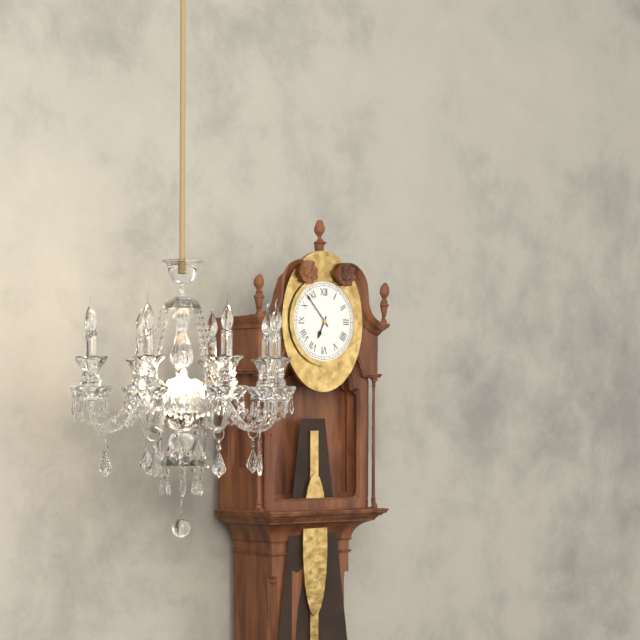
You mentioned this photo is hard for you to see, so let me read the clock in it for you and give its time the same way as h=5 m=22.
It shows h=6 m=53
